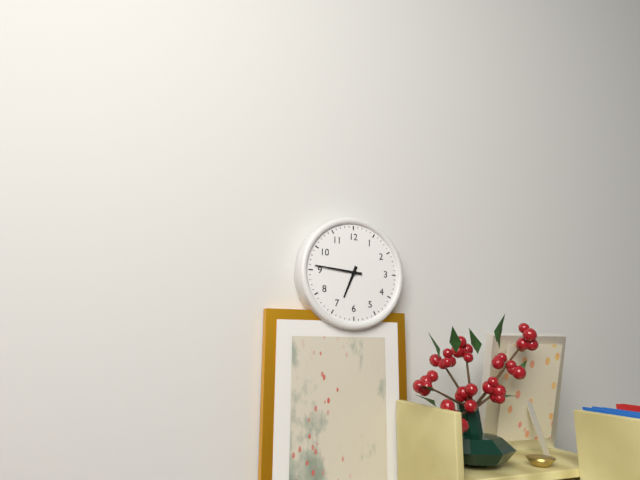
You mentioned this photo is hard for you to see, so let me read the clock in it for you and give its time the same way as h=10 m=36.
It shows h=6 m=46
